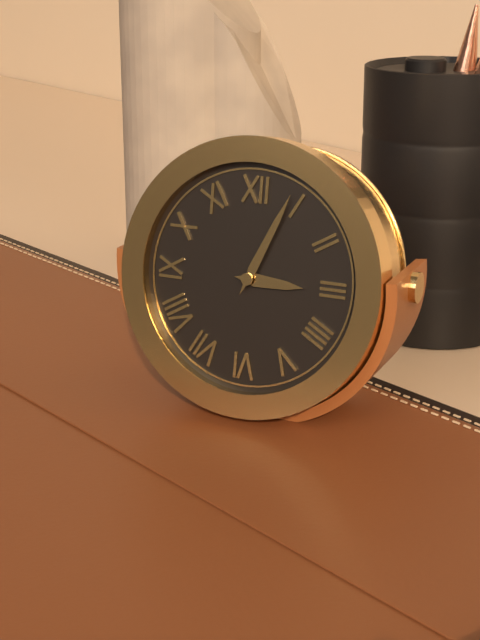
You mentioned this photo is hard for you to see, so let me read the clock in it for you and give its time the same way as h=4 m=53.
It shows h=3 m=4
